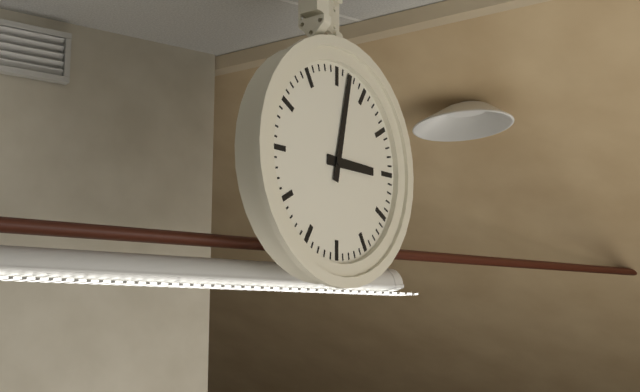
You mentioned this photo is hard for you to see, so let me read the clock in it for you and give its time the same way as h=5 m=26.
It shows h=3 m=2
